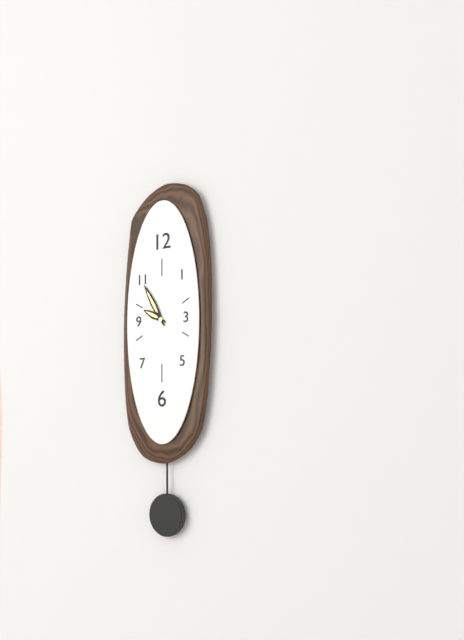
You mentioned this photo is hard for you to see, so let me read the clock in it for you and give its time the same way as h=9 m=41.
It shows h=9 m=55
